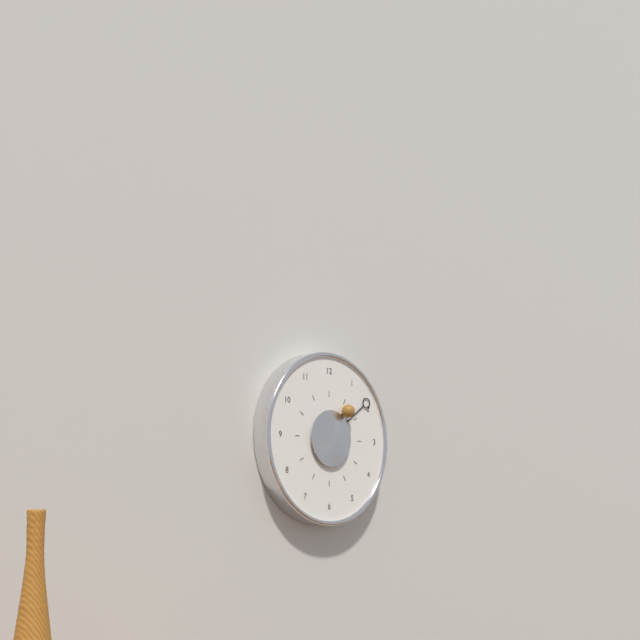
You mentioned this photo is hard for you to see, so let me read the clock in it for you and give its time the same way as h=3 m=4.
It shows h=1 m=9
